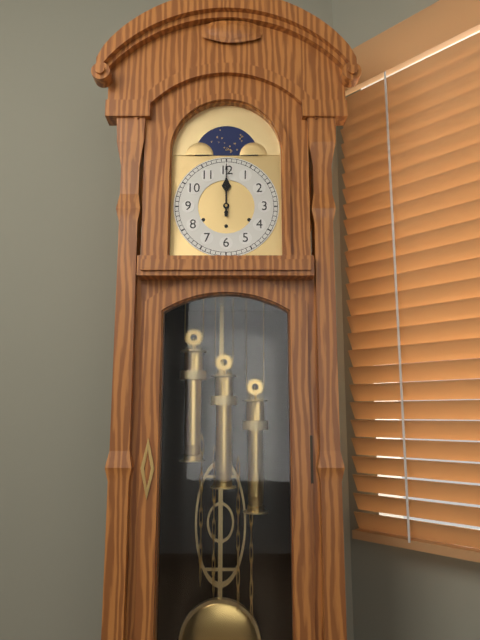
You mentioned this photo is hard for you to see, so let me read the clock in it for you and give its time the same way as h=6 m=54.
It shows h=12 m=0
